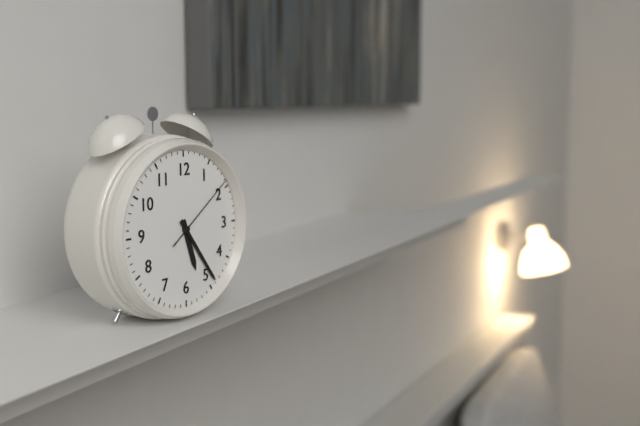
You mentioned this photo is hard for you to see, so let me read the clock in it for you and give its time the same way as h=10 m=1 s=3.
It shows h=5 m=24 s=9
